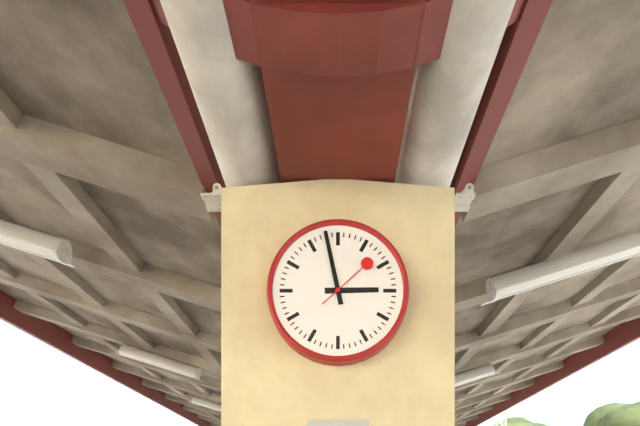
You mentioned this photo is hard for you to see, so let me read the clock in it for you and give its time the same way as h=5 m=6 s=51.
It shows h=2 m=58 s=8
